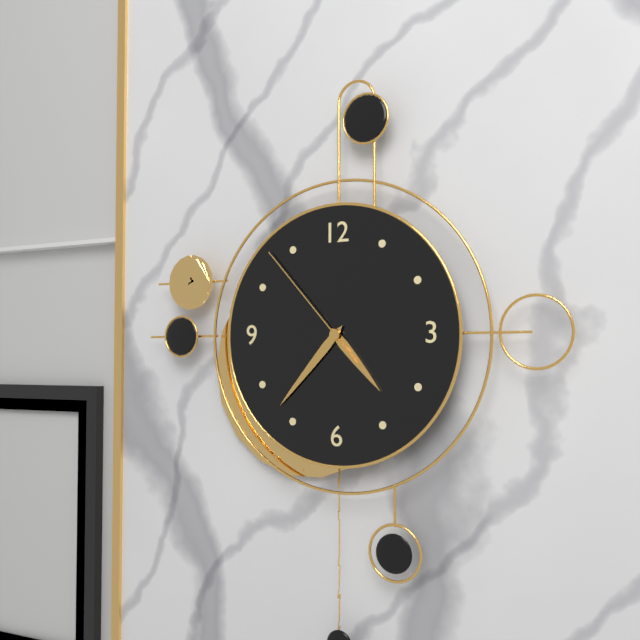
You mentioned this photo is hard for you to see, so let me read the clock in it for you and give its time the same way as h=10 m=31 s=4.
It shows h=4 m=37 s=53
